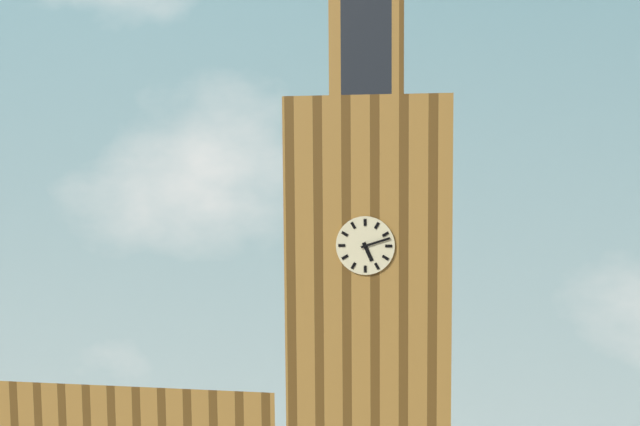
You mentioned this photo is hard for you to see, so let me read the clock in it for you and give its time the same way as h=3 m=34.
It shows h=5 m=12
